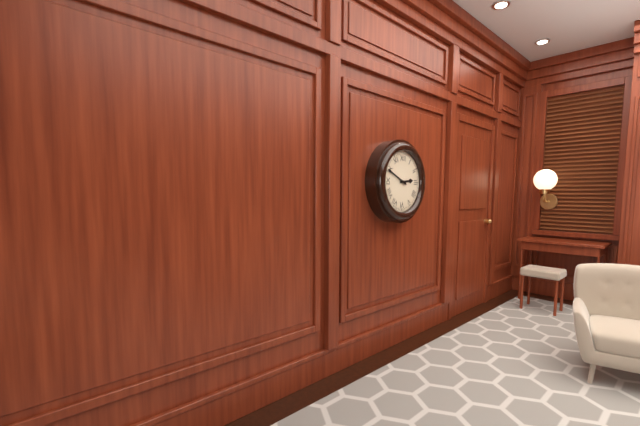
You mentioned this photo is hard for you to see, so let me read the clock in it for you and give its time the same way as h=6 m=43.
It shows h=2 m=49
